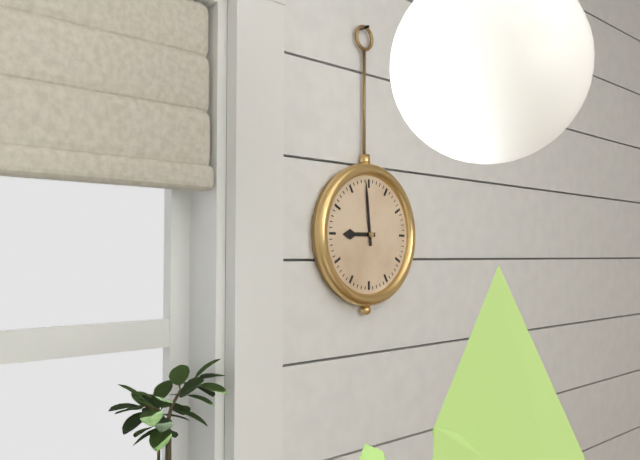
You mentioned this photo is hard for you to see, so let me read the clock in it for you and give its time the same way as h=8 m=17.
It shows h=8 m=59
